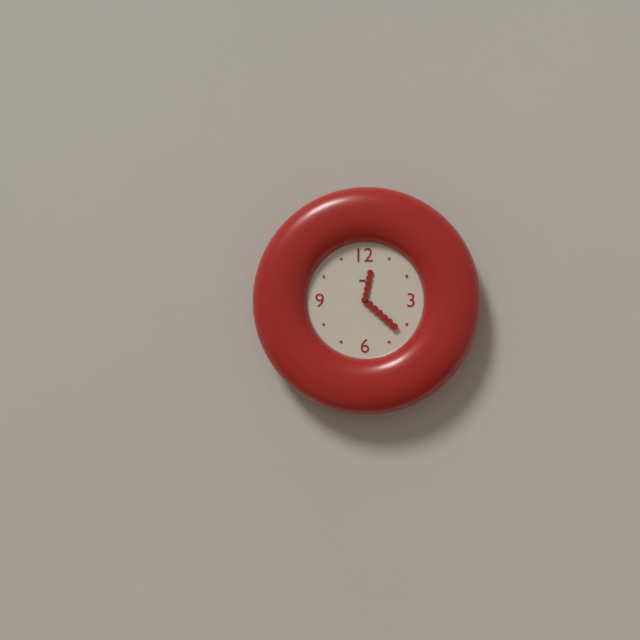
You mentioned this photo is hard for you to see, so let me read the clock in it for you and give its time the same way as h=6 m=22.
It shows h=12 m=22
